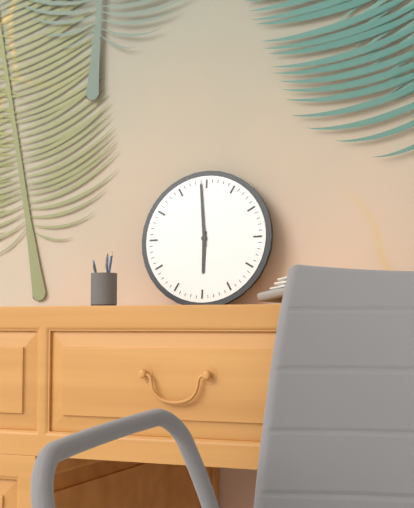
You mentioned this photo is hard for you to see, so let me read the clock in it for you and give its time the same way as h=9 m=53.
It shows h=5 m=59
